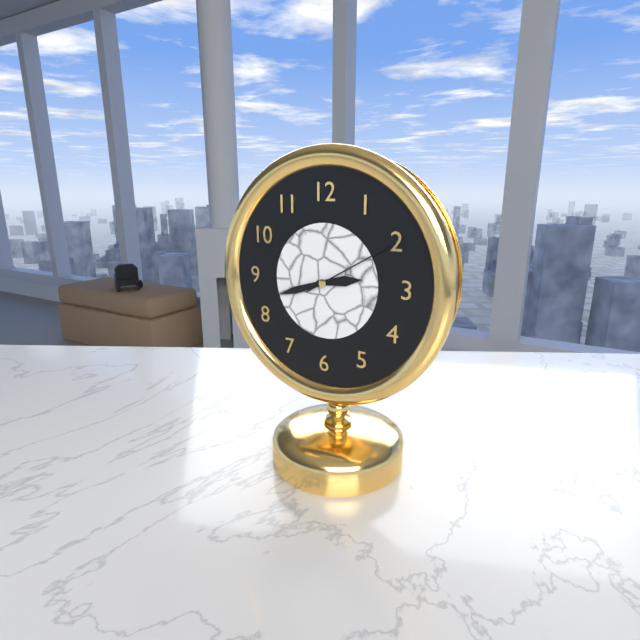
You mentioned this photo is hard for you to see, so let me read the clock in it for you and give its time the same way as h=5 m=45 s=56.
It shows h=2 m=42 s=10
